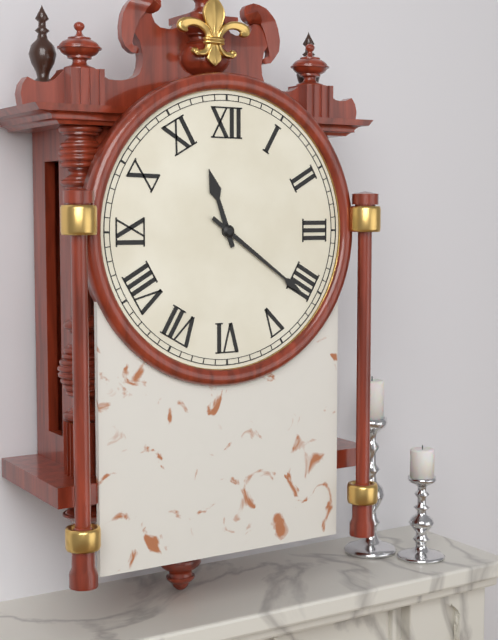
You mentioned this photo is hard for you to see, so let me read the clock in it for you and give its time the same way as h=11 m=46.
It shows h=11 m=21
